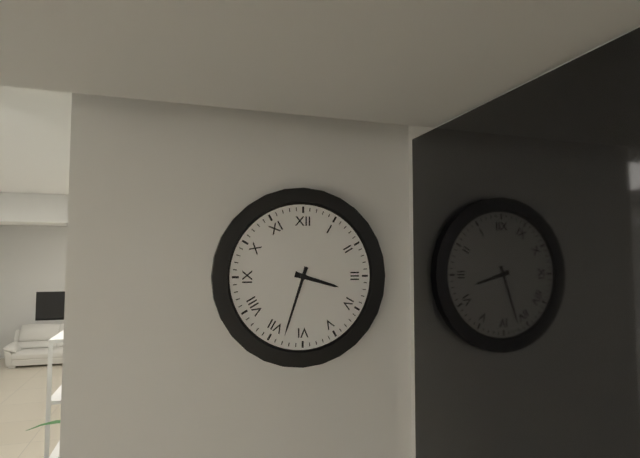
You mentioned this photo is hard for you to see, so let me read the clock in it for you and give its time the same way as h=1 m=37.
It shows h=3 m=33
